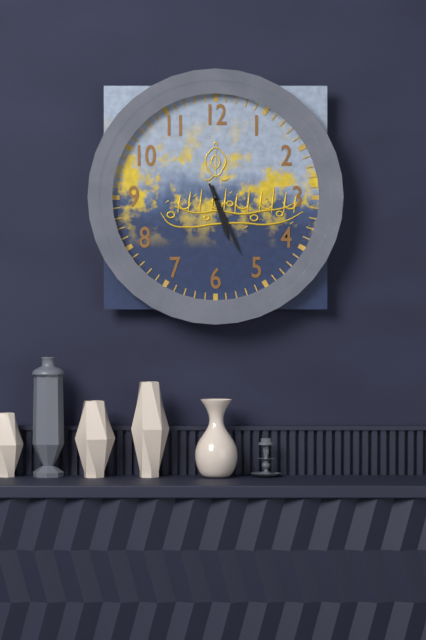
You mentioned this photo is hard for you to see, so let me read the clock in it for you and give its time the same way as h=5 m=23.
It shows h=5 m=26
